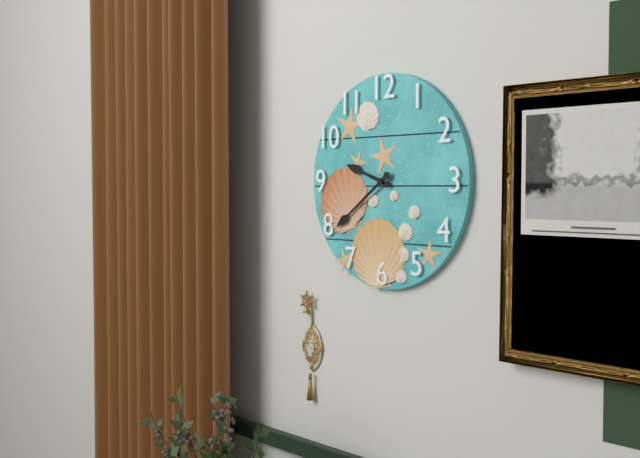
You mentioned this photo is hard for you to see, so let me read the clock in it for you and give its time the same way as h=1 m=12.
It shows h=9 m=39
